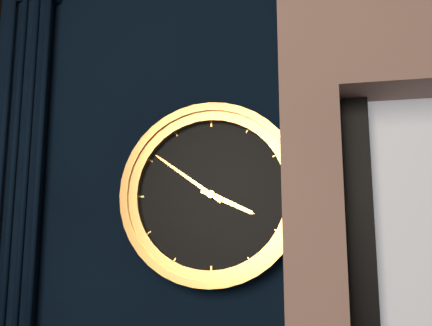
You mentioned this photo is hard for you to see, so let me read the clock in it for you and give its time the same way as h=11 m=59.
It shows h=3 m=51
